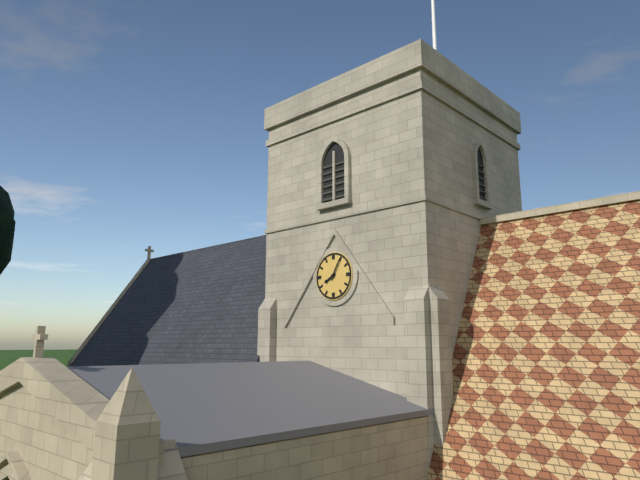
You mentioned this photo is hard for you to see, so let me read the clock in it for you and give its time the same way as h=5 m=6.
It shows h=8 m=5
